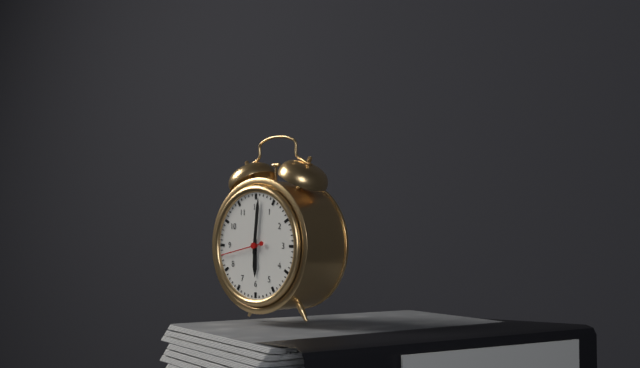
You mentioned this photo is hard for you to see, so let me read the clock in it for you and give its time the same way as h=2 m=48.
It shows h=6 m=1
